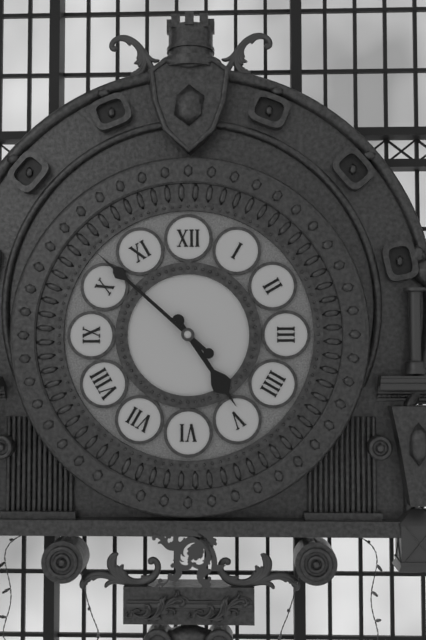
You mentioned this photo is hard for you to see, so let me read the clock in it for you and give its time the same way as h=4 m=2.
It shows h=4 m=52
